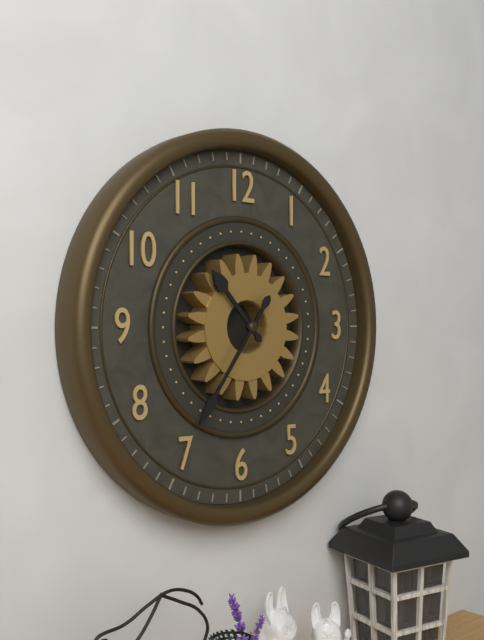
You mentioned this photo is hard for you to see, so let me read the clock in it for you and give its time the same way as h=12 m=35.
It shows h=10 m=36
